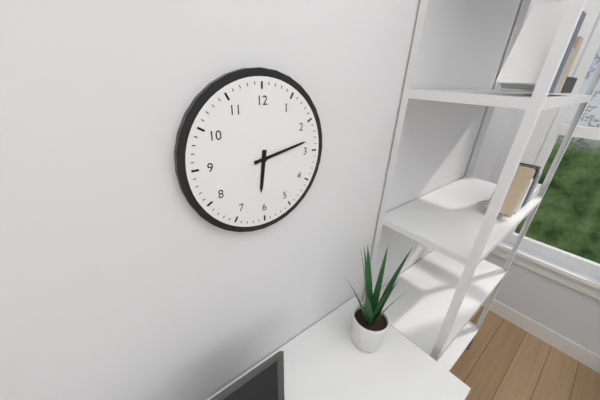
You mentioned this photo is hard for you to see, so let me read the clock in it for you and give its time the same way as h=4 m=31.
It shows h=6 m=13
